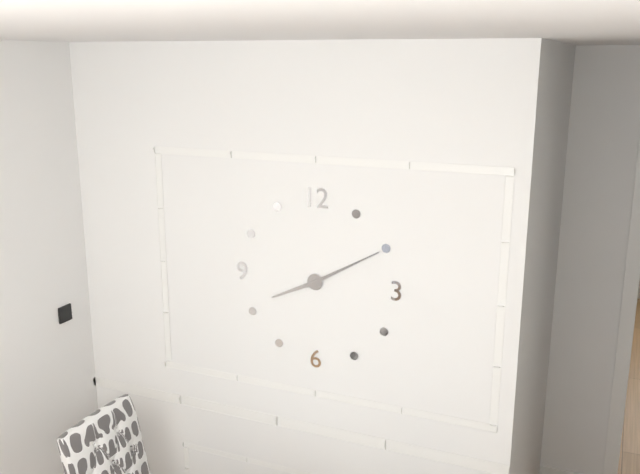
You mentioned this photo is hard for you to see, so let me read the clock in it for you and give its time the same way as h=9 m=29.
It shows h=8 m=10
